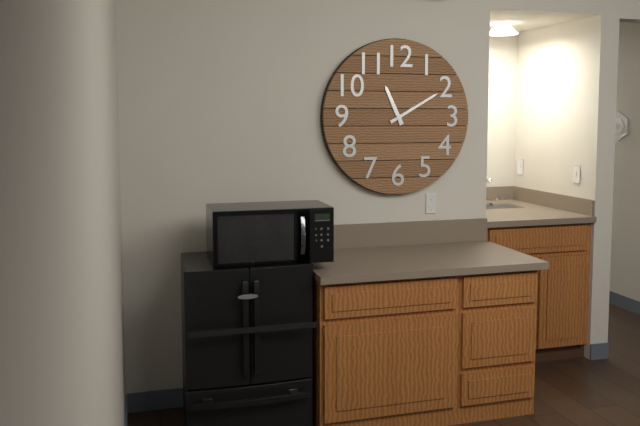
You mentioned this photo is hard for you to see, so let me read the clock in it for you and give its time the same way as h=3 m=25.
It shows h=11 m=10
